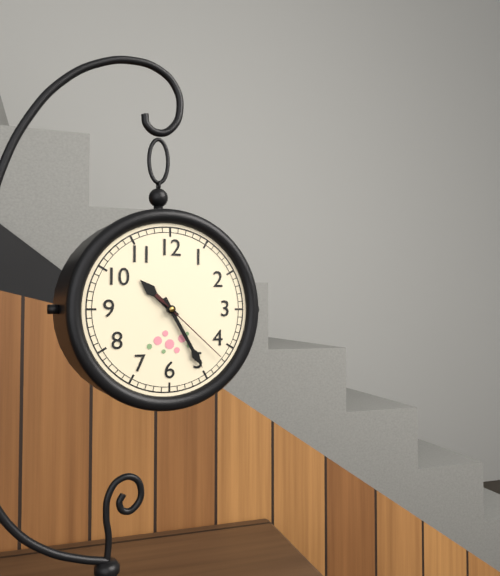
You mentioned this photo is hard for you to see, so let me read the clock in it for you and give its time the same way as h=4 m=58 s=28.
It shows h=10 m=25 s=22
